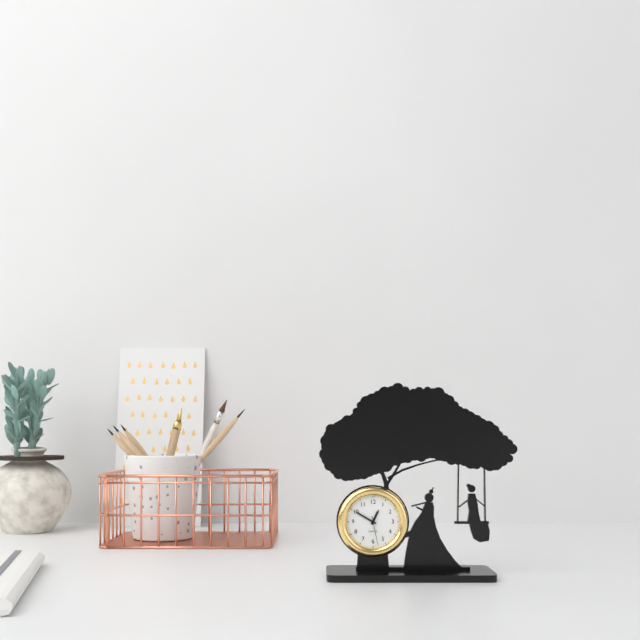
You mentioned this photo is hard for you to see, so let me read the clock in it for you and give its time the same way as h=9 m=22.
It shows h=12 m=50
